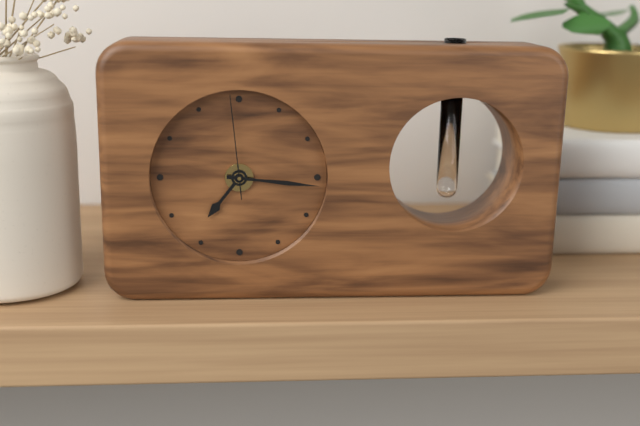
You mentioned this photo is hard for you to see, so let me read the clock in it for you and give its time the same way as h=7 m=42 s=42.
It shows h=7 m=16 s=59
